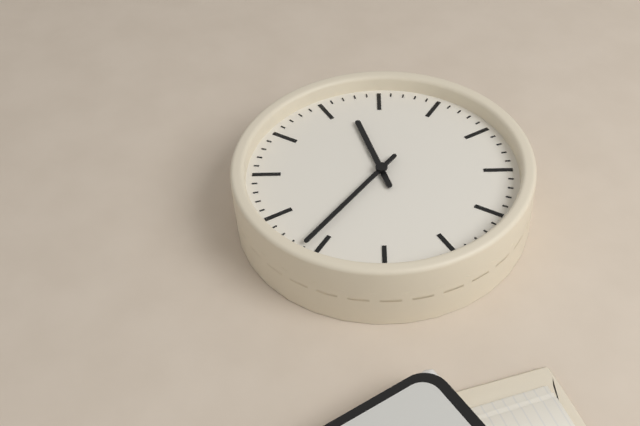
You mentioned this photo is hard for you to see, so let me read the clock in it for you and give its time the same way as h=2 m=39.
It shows h=9 m=26
